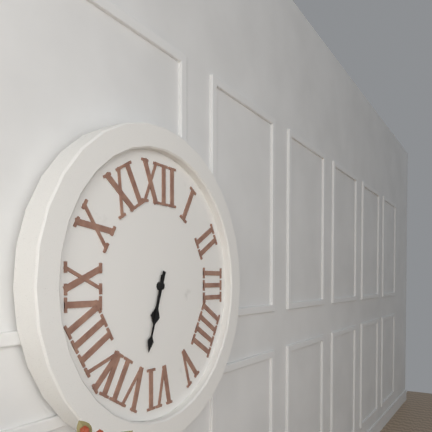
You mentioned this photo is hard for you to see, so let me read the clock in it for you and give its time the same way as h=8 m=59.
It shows h=6 m=33
